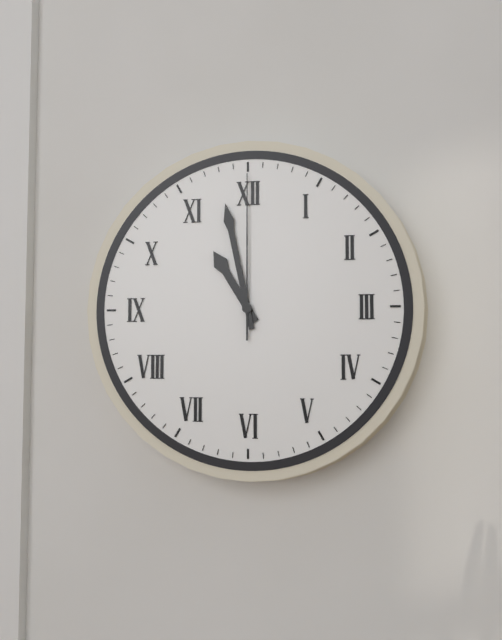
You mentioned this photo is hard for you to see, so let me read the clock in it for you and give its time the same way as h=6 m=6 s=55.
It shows h=10 m=58 s=0
